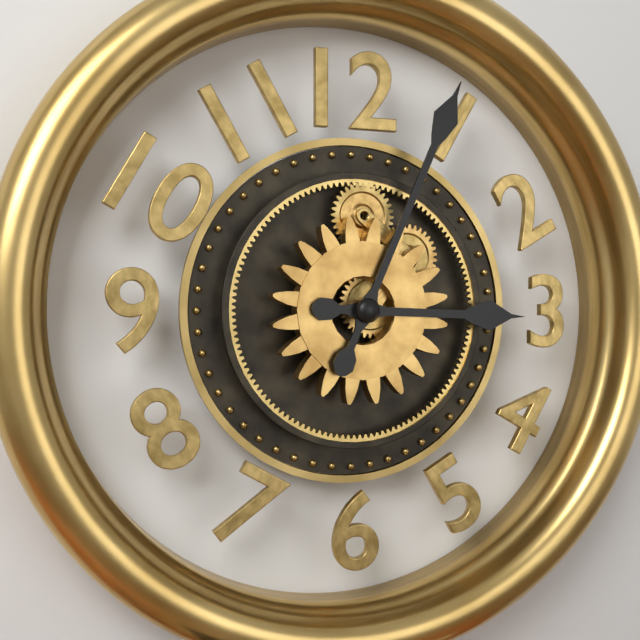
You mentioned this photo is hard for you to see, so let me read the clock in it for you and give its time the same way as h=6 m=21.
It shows h=3 m=4
